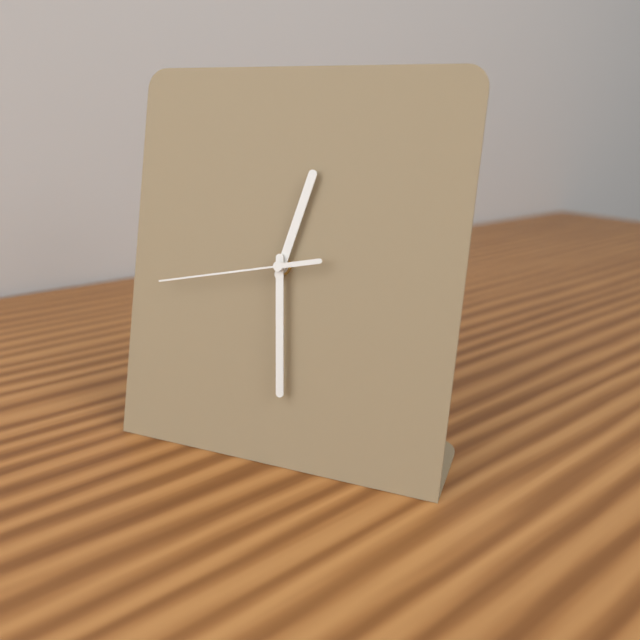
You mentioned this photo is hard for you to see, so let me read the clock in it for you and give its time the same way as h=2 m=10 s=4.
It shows h=12 m=29 s=43
